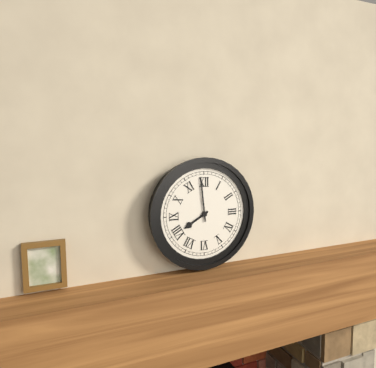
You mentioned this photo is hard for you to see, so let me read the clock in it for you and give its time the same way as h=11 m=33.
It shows h=7 m=59
